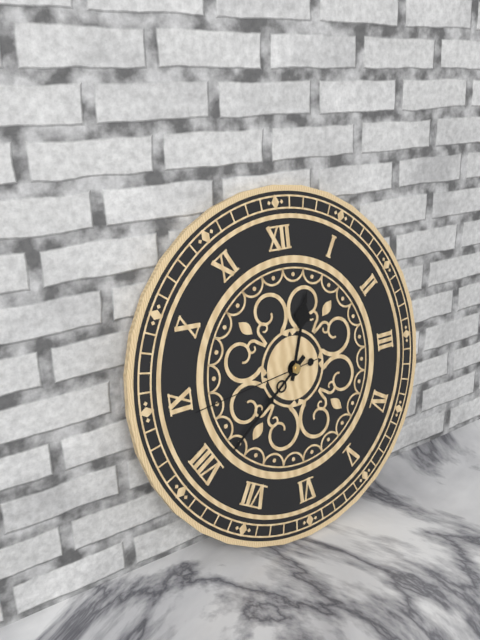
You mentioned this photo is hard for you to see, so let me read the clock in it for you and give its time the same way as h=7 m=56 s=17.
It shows h=12 m=39 s=44
